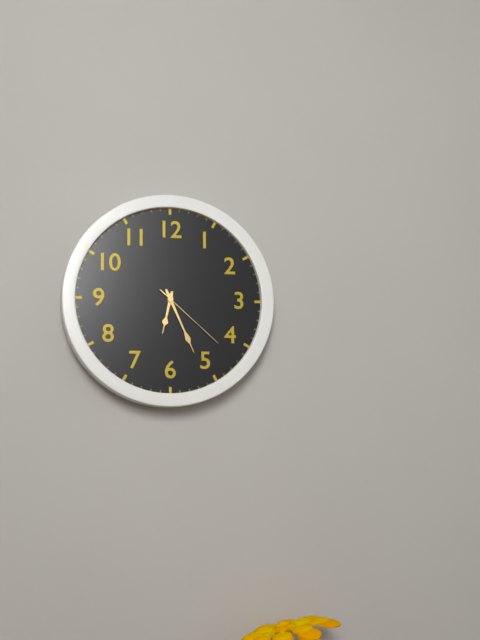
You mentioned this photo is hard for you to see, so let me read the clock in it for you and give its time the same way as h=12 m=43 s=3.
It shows h=6 m=26 s=22
